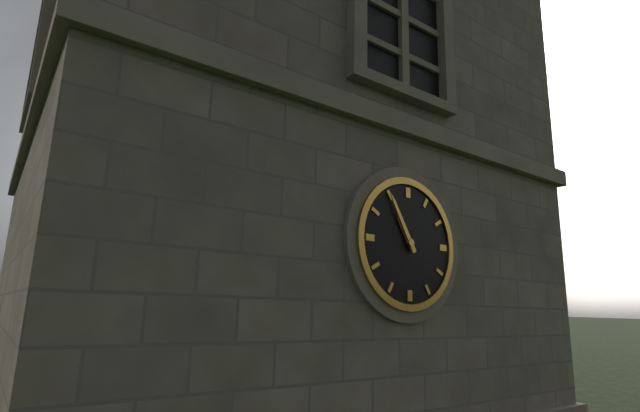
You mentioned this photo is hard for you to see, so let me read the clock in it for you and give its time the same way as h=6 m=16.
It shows h=10 m=55
